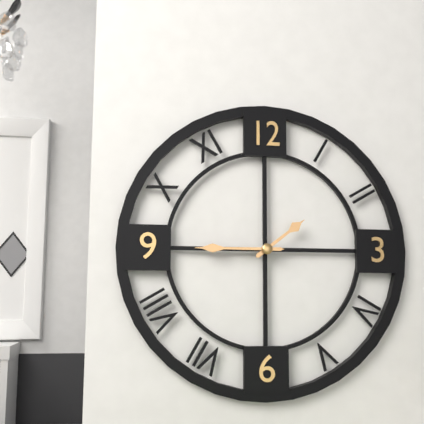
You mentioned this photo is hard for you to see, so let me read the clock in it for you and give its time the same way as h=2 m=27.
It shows h=1 m=45
